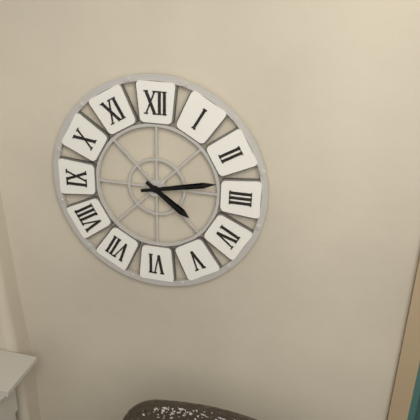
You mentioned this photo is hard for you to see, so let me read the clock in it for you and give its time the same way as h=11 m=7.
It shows h=4 m=13
